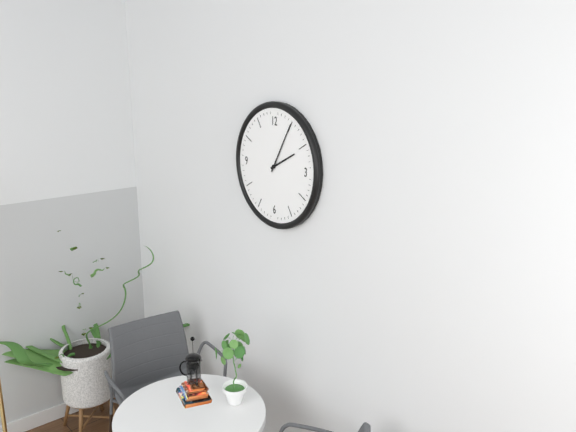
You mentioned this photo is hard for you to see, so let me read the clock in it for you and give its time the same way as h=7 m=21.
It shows h=2 m=5
